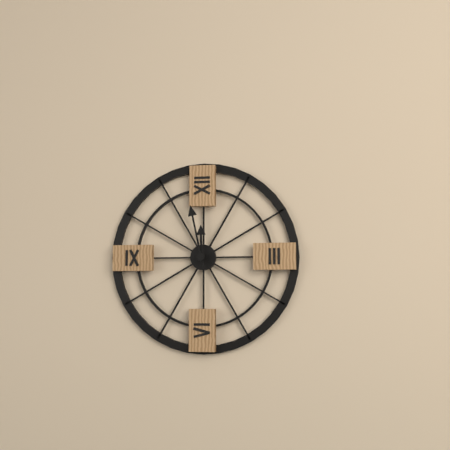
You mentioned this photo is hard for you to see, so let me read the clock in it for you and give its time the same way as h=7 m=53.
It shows h=11 m=58
